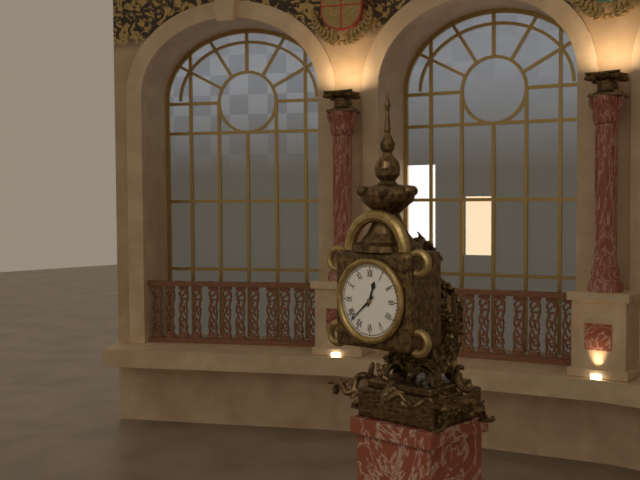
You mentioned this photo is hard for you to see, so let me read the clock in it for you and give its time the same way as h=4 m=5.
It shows h=12 m=38
